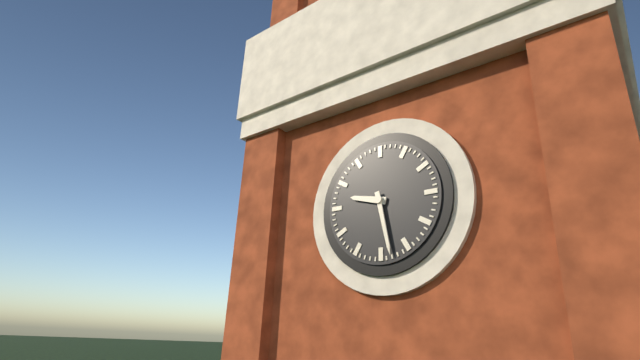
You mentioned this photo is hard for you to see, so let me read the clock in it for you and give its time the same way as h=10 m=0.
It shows h=9 m=28
